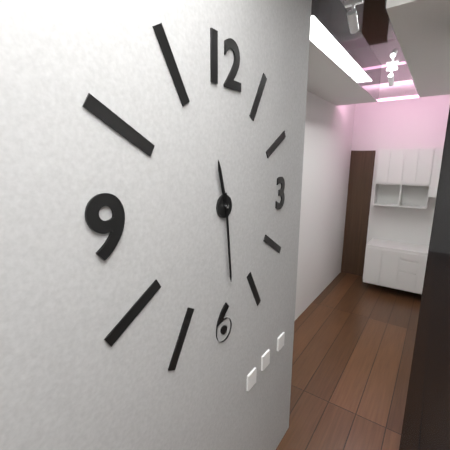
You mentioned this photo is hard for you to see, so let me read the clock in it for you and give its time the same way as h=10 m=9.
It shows h=11 m=29
